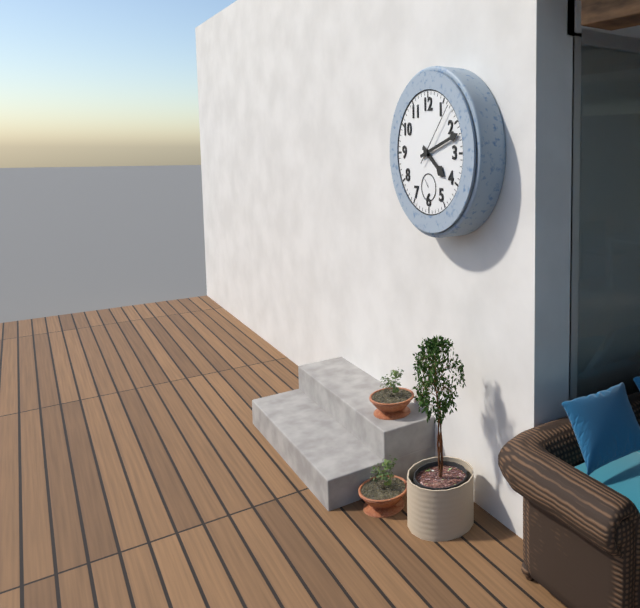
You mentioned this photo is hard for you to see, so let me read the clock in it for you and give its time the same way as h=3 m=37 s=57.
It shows h=4 m=12 s=7
